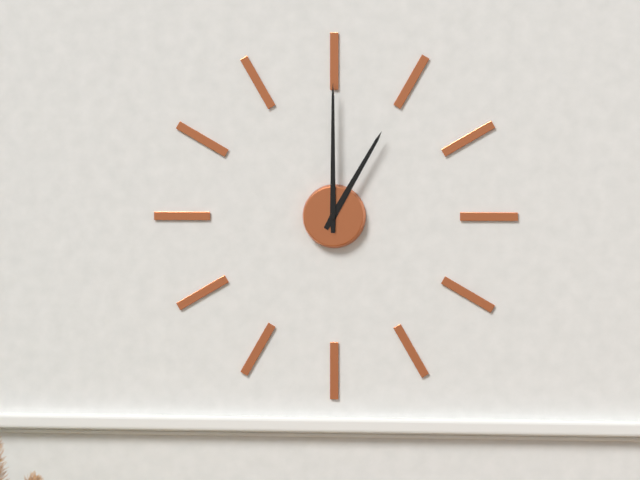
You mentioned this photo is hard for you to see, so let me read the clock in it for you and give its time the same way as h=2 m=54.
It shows h=1 m=0
